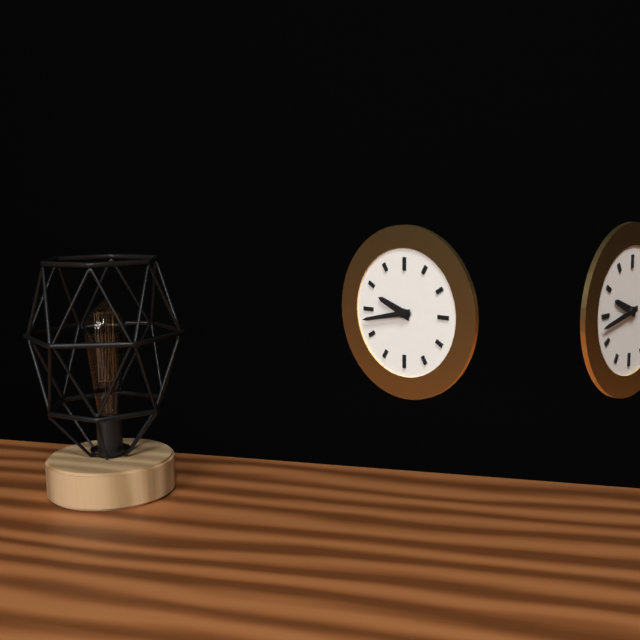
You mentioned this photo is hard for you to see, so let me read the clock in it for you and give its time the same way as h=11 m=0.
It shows h=9 m=43
